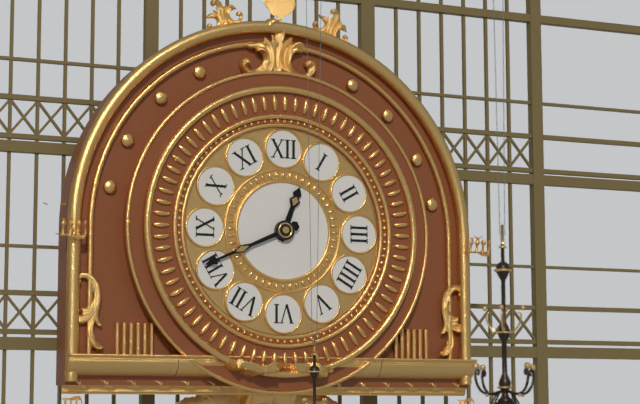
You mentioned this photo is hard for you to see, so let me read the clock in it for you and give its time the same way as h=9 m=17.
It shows h=12 m=41
